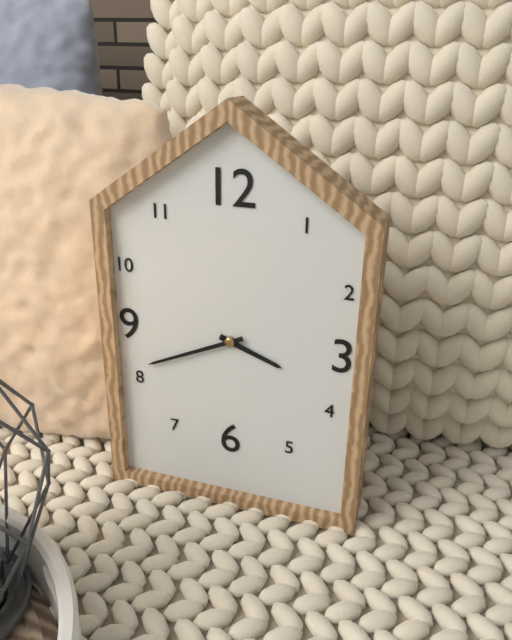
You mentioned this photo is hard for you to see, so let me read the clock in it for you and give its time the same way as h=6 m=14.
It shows h=3 m=41
